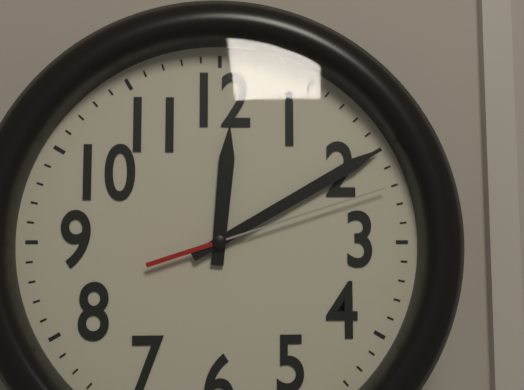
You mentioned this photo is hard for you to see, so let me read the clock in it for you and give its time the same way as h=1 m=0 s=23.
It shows h=12 m=10 s=12
